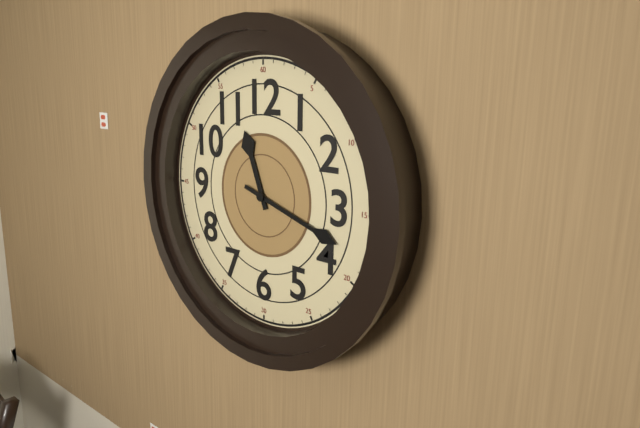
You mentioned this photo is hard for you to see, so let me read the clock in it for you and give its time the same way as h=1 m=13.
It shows h=11 m=18
